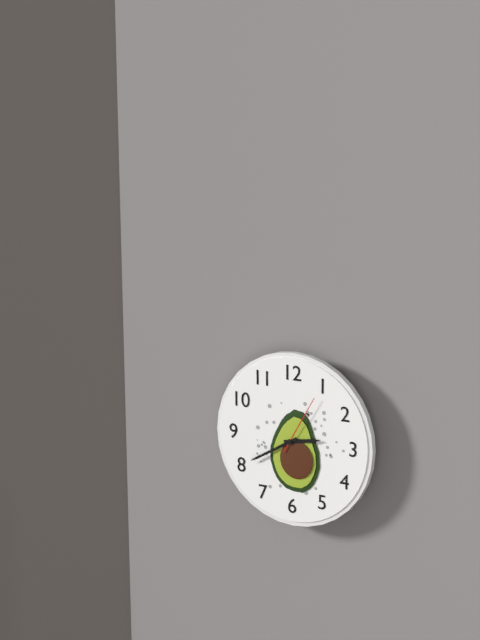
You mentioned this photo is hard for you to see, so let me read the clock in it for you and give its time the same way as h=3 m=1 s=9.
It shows h=2 m=40 s=5
